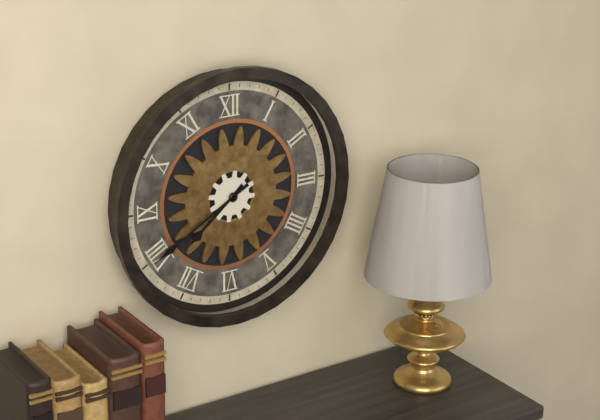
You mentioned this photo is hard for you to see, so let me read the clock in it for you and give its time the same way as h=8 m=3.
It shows h=7 m=40
